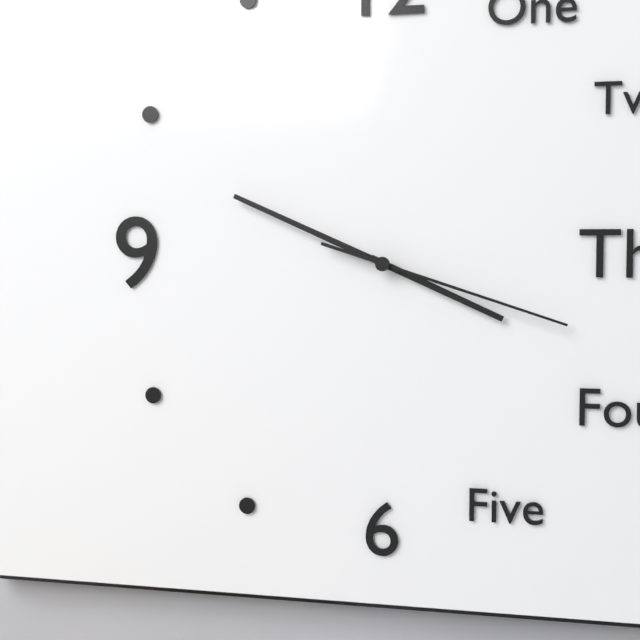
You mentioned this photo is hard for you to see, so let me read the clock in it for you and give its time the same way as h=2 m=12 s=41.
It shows h=3 m=49 s=18
